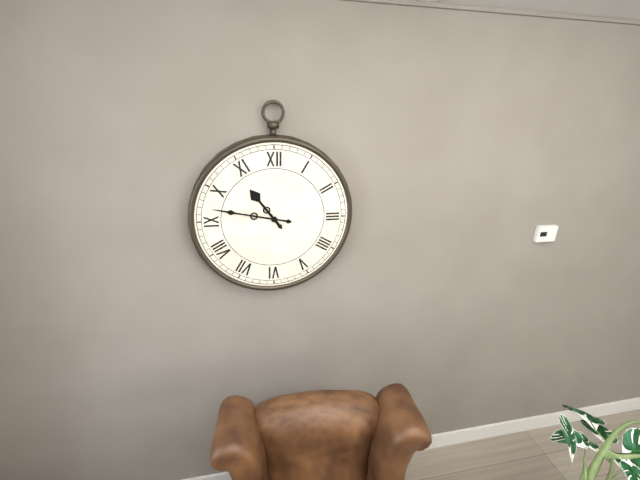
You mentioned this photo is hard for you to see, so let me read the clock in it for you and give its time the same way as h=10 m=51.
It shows h=10 m=47
